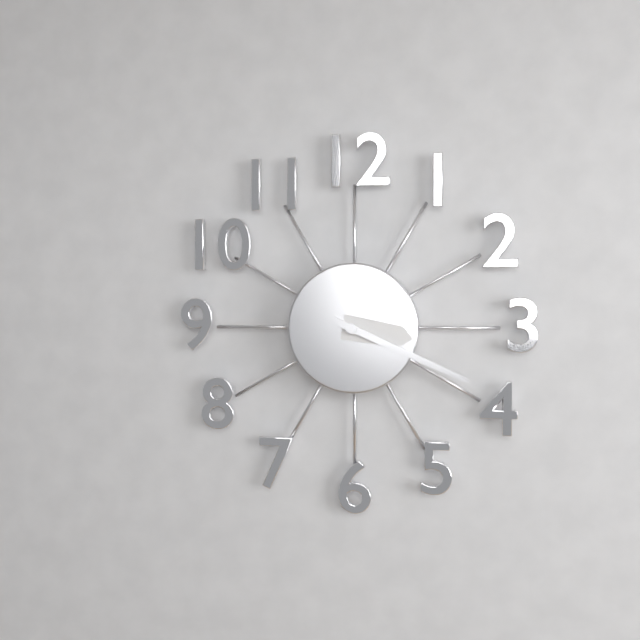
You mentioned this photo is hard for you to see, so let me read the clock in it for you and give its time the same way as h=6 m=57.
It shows h=3 m=19
